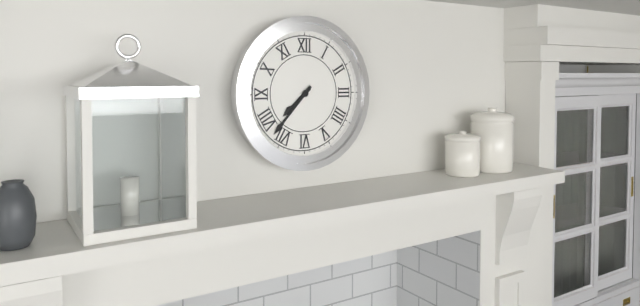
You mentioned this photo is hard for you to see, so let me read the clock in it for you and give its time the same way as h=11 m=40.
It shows h=7 m=37
